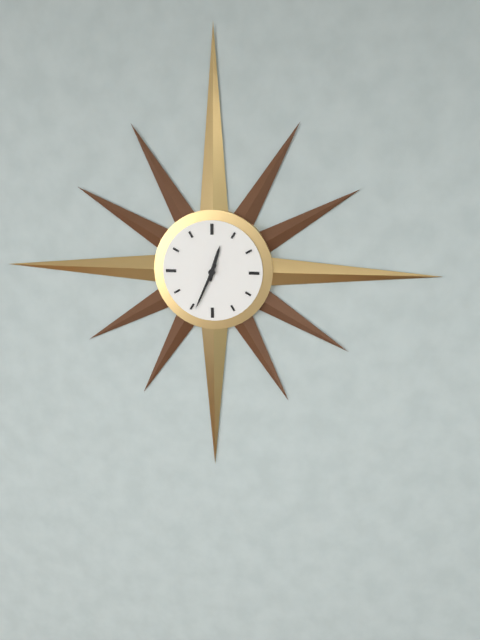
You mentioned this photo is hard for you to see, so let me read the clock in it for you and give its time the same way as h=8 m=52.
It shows h=12 m=34
